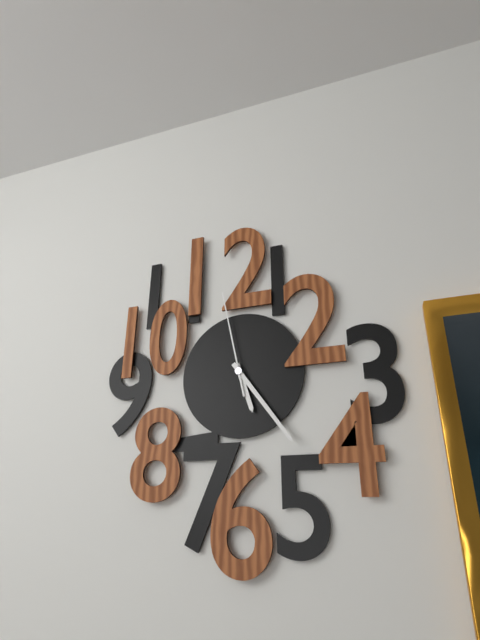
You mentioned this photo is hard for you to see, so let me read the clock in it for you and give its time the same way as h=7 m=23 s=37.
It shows h=5 m=24 s=58
